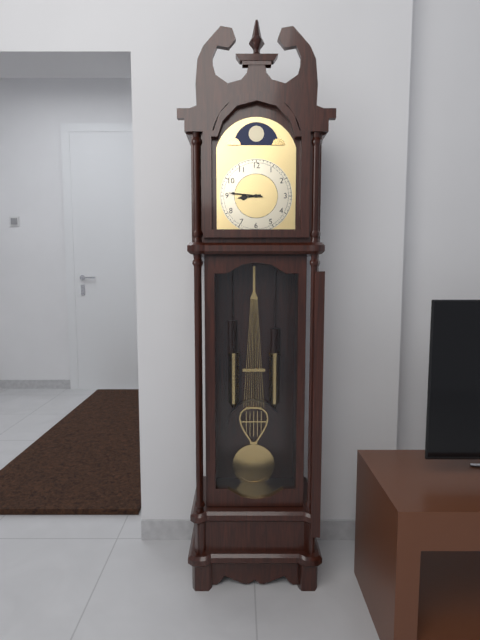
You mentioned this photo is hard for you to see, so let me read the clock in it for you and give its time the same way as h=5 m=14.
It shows h=8 m=46
